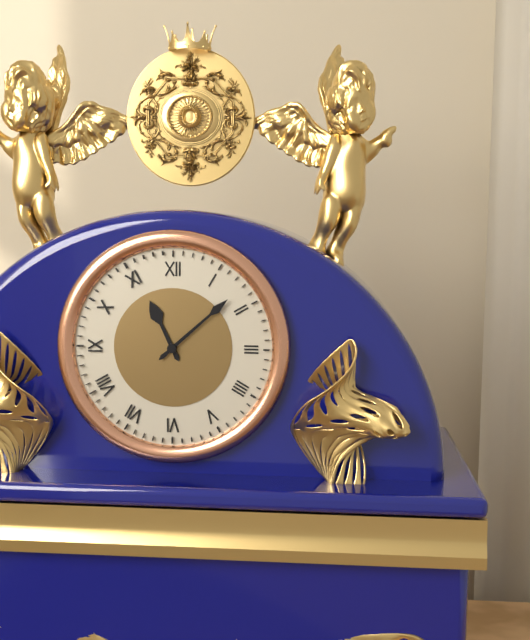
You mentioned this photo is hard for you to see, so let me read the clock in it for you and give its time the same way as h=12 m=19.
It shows h=11 m=8
